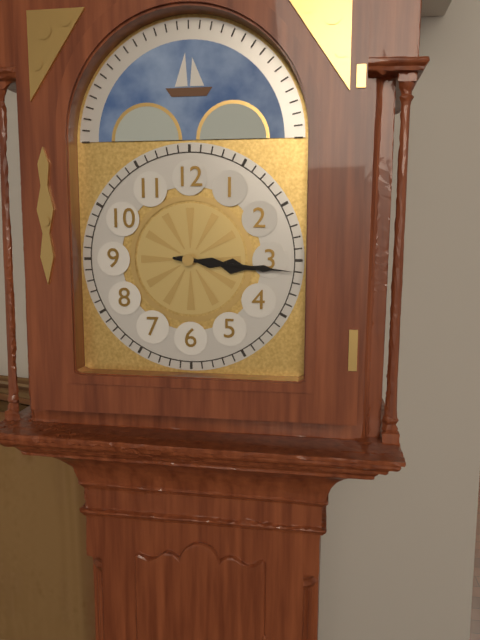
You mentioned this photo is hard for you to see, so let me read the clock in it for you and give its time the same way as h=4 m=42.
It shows h=3 m=16
